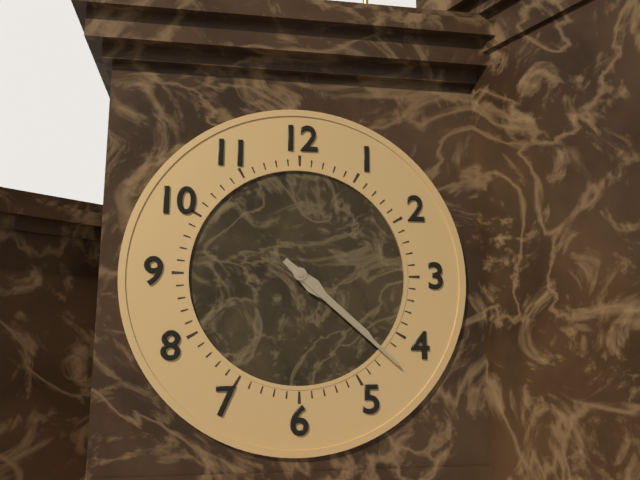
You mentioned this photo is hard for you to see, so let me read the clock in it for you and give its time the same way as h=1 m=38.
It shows h=4 m=22
